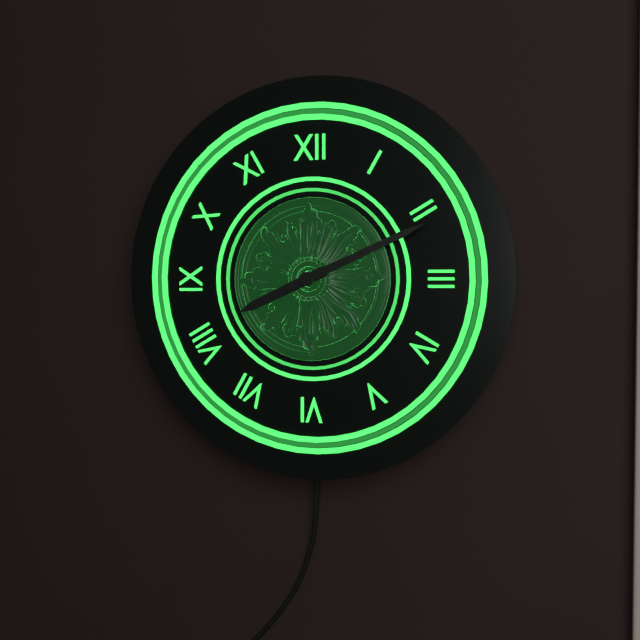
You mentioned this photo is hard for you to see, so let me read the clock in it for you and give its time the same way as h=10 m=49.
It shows h=8 m=11
